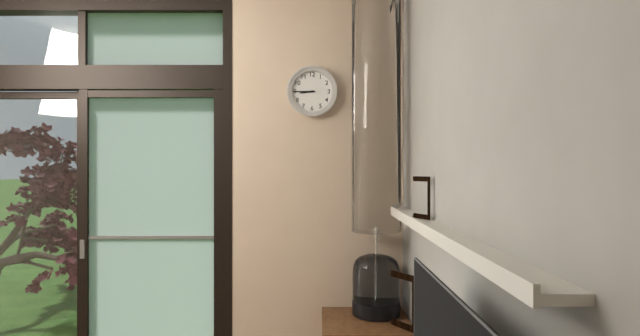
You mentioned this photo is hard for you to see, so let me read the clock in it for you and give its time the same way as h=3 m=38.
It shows h=8 m=45
